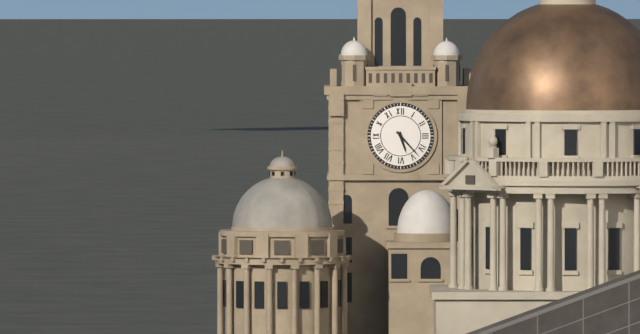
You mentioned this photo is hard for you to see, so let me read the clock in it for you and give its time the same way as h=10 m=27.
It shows h=5 m=23
